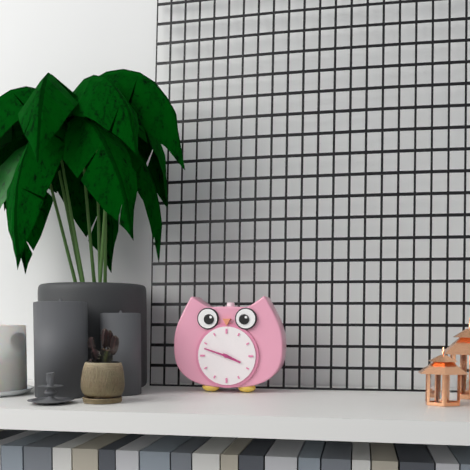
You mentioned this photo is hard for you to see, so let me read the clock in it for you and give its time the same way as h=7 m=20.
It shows h=3 m=48
